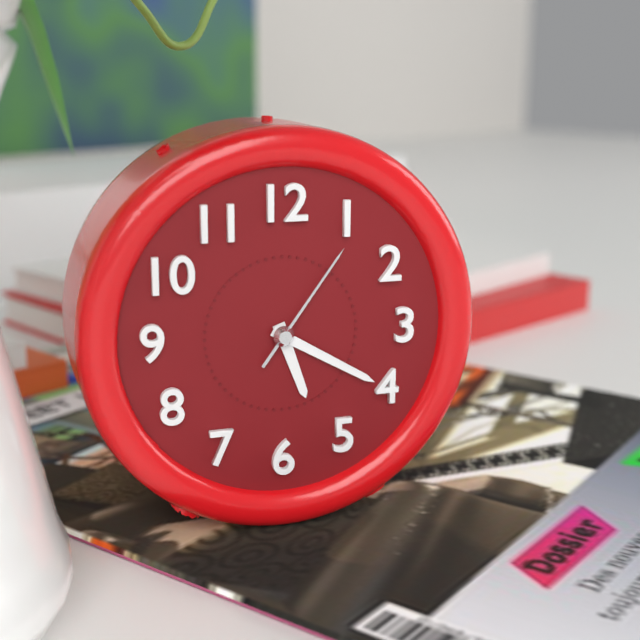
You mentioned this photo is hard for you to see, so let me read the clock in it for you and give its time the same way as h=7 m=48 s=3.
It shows h=5 m=20 s=6
